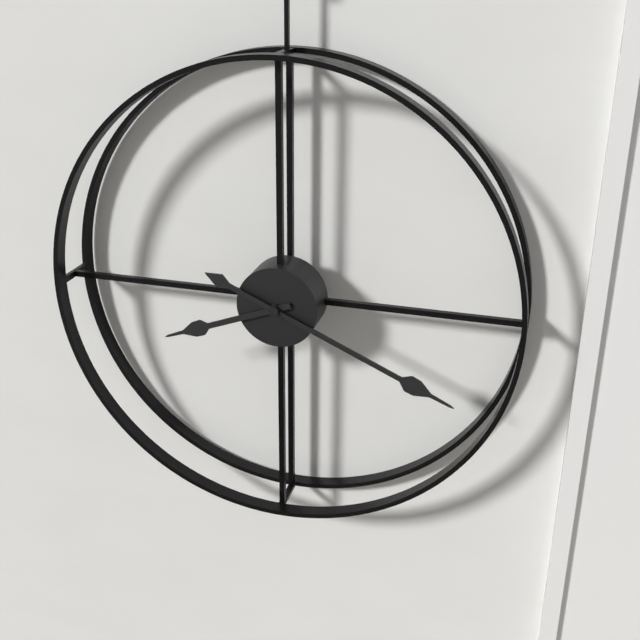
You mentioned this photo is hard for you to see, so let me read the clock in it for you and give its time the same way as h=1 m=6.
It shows h=8 m=19
